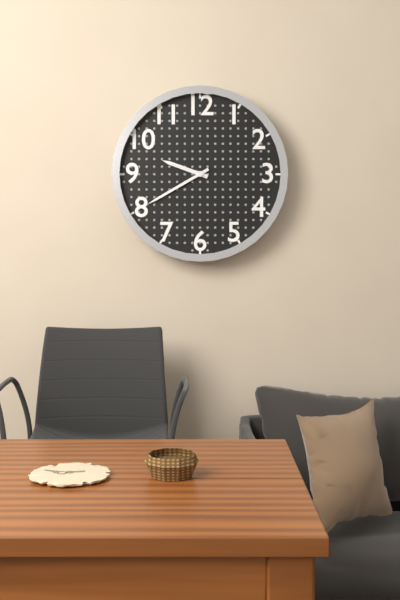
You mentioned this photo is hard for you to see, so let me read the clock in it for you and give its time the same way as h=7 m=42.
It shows h=9 m=40
